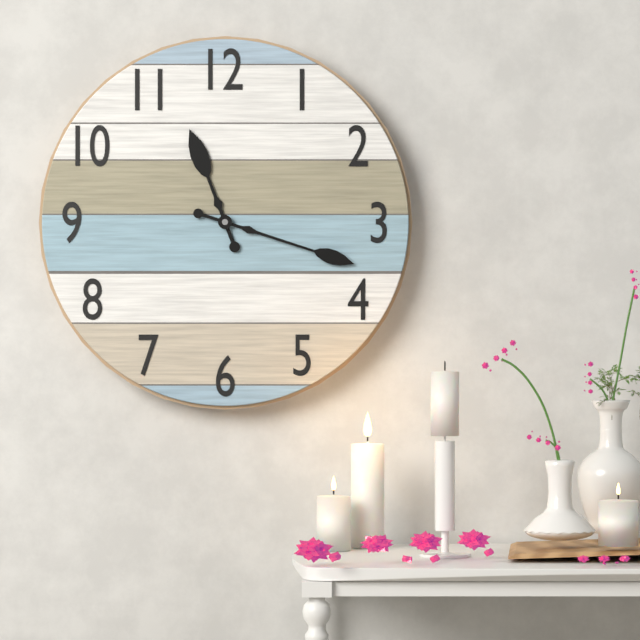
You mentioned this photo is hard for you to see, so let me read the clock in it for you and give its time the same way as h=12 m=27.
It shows h=11 m=18
